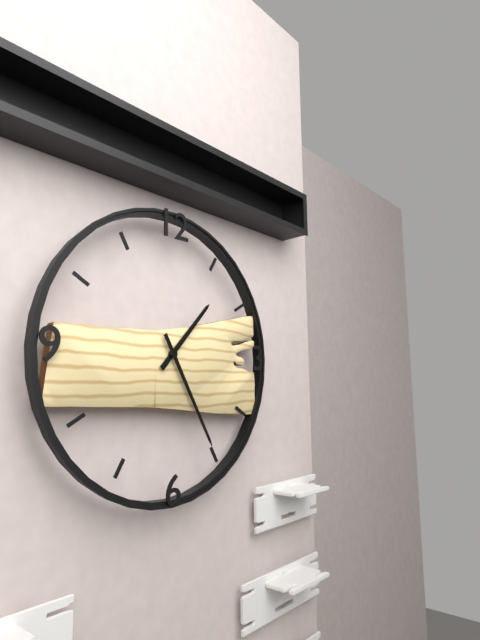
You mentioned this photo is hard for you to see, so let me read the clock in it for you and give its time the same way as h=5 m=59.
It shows h=1 m=25
